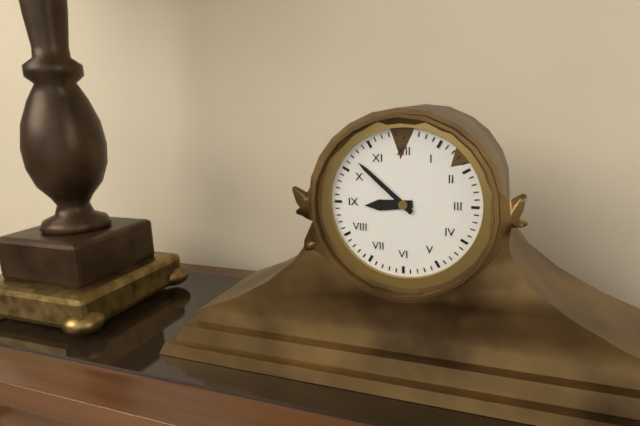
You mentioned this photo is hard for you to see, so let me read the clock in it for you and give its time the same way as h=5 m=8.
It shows h=8 m=52
